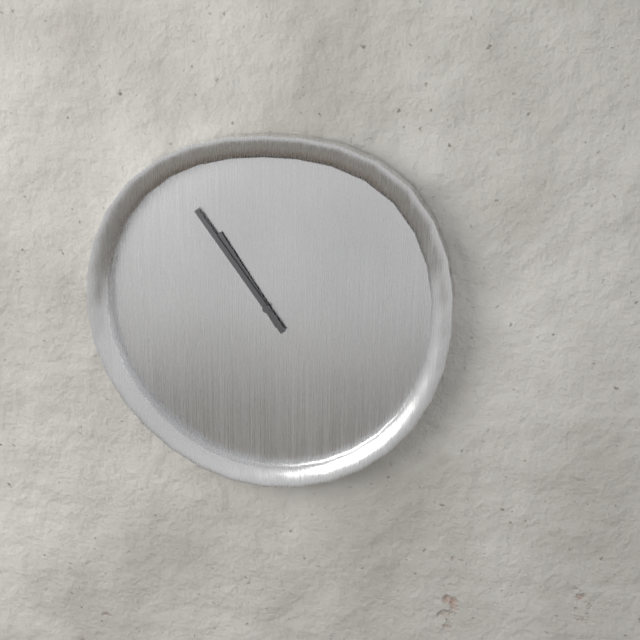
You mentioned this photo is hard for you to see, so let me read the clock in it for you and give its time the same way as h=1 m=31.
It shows h=10 m=54
